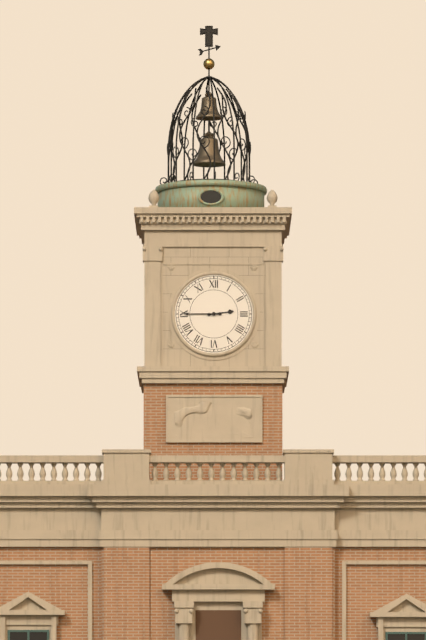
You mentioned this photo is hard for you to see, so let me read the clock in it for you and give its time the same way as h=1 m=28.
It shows h=2 m=45
